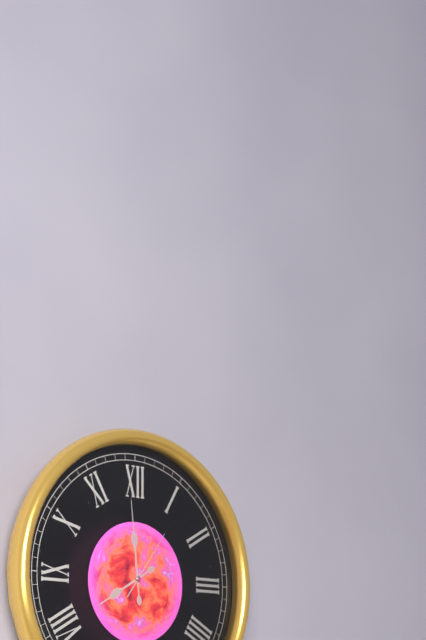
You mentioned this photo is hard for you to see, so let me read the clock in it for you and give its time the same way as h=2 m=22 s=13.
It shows h=7 m=59 s=6
